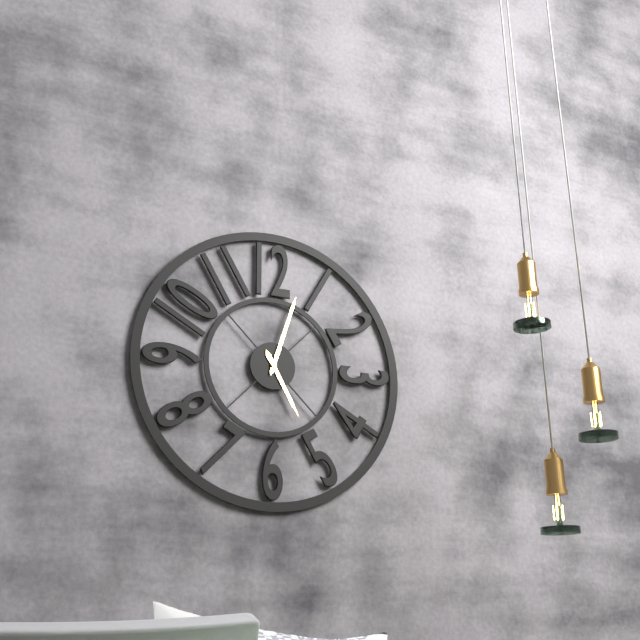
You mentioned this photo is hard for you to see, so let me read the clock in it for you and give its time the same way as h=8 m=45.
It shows h=5 m=3
